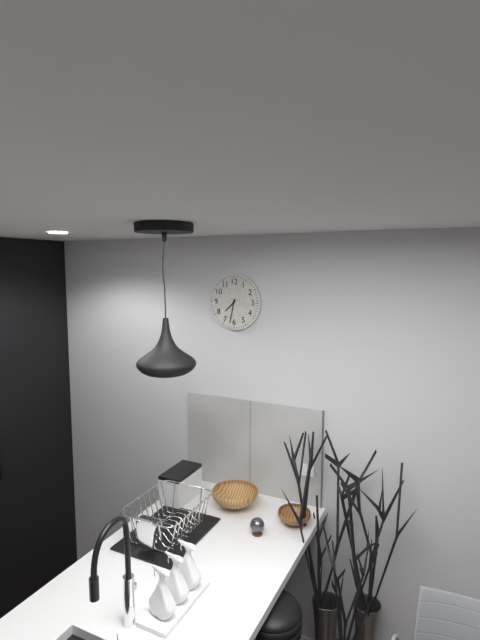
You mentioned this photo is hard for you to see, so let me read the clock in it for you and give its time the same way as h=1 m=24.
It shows h=7 m=32
